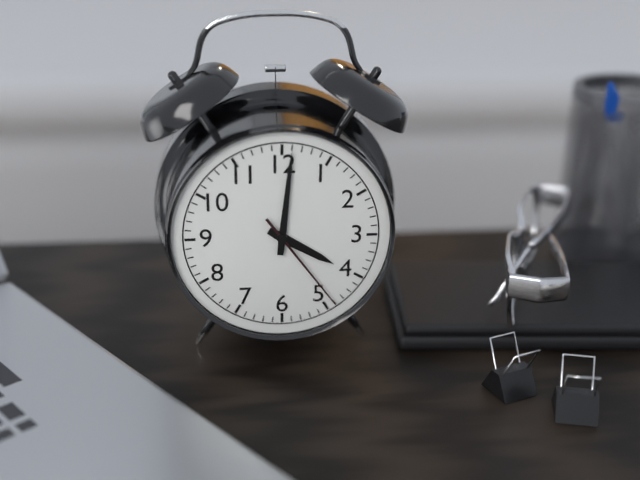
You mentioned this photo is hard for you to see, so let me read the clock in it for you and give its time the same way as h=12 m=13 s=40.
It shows h=4 m=1 s=24
